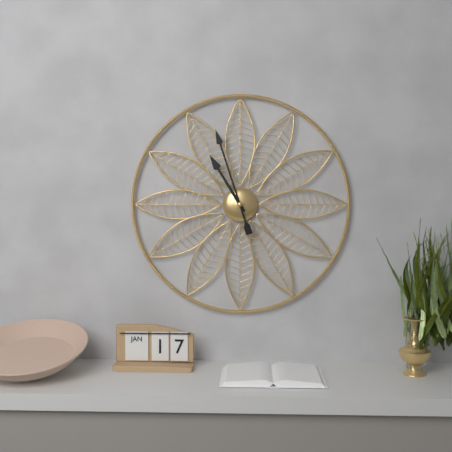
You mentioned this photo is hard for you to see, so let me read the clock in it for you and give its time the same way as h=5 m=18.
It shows h=10 m=57
